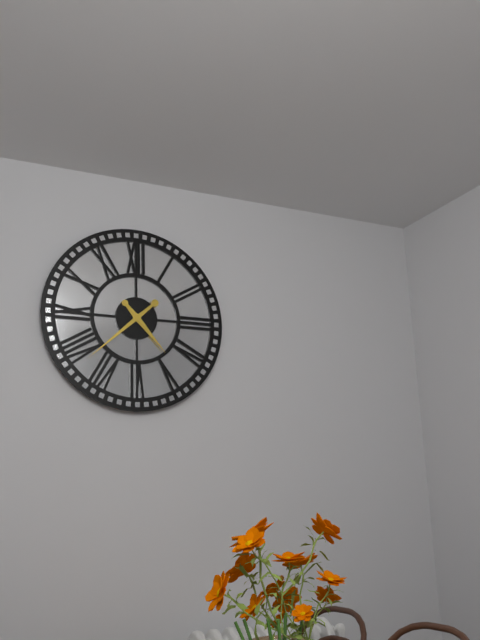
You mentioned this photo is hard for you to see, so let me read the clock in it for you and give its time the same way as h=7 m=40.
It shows h=4 m=38
